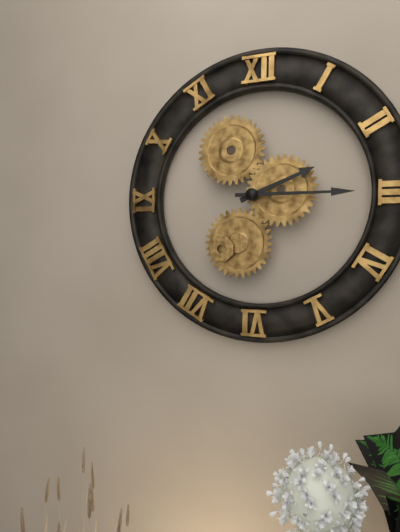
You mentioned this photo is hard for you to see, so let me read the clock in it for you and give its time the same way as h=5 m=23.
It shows h=2 m=15
